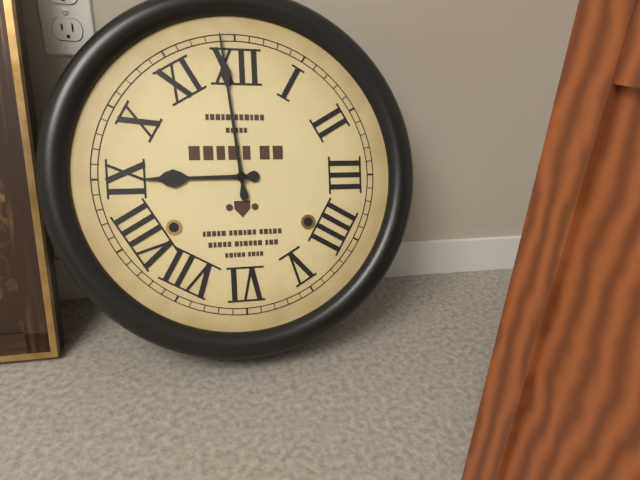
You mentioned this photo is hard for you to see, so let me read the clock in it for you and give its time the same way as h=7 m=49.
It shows h=8 m=59
